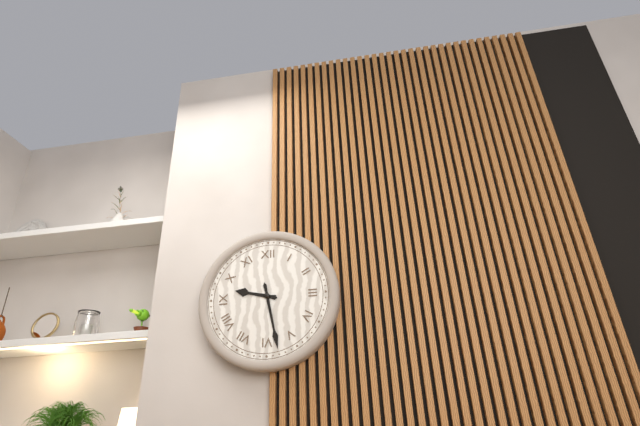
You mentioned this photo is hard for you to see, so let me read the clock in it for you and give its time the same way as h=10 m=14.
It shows h=9 m=28
